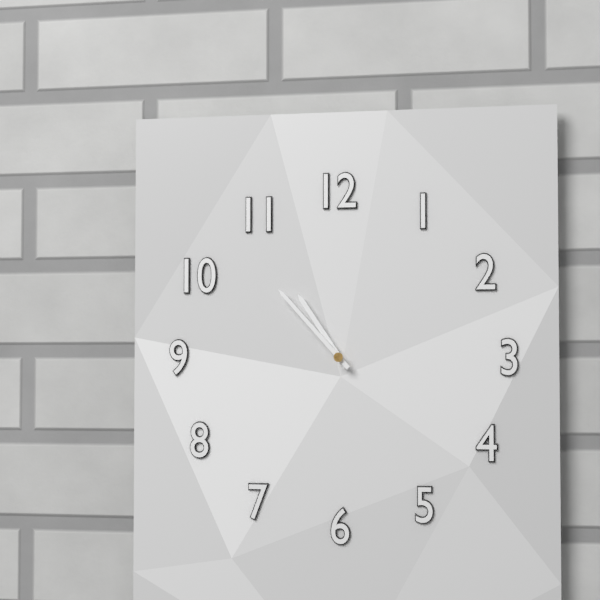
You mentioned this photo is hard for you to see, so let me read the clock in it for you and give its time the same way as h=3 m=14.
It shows h=10 m=53
